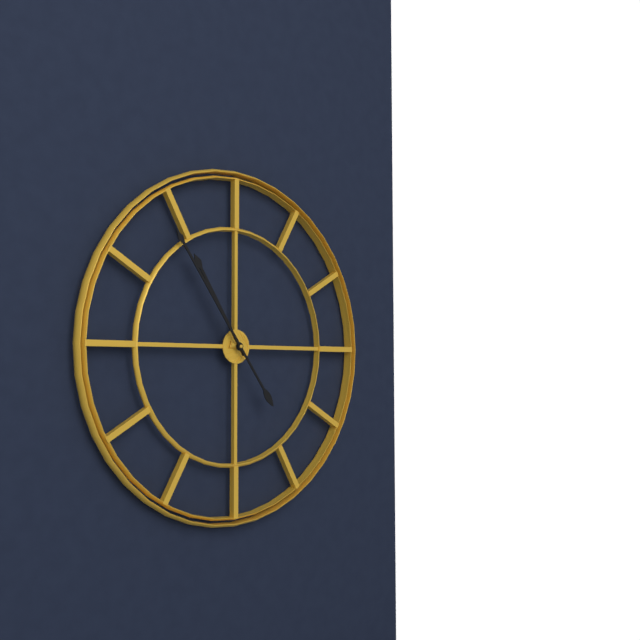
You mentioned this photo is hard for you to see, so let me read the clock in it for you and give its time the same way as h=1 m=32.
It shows h=10 m=54
